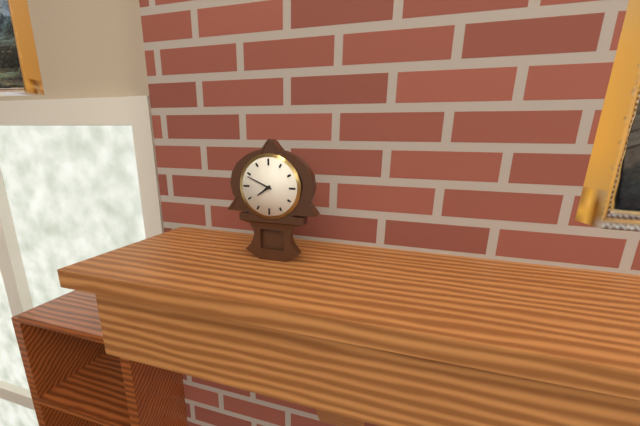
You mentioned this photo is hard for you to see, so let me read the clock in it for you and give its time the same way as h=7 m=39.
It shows h=7 m=49
